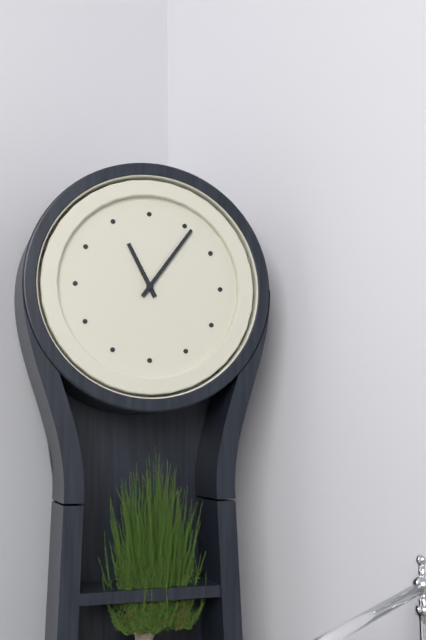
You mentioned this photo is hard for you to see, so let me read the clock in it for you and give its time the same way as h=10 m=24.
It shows h=11 m=6
